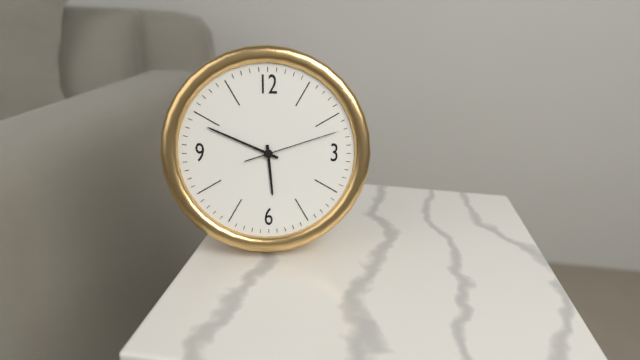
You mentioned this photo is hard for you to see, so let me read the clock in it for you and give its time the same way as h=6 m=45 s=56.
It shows h=5 m=49 s=12
